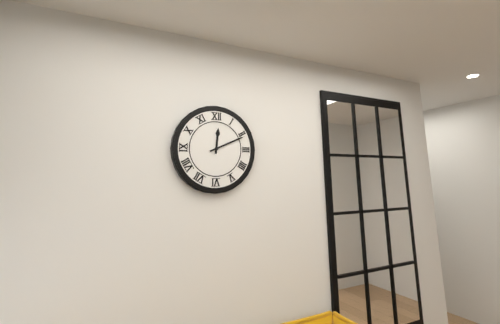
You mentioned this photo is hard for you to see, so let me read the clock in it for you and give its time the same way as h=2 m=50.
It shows h=12 m=11
